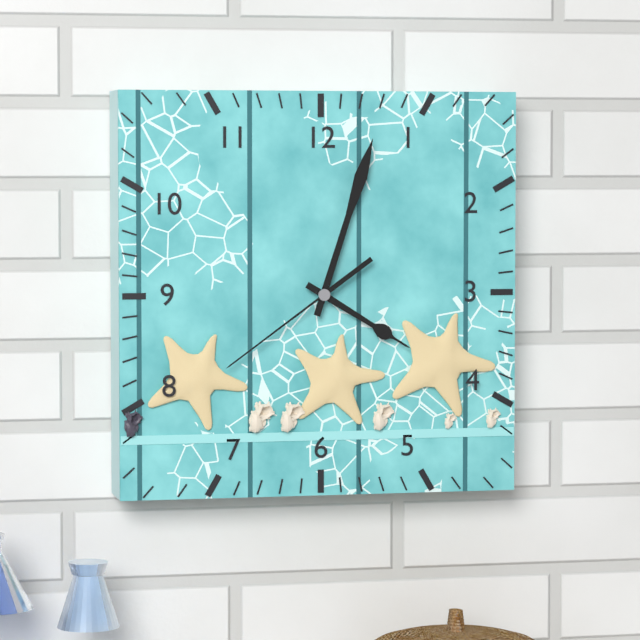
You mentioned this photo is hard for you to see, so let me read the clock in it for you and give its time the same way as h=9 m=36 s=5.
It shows h=4 m=3 s=39
